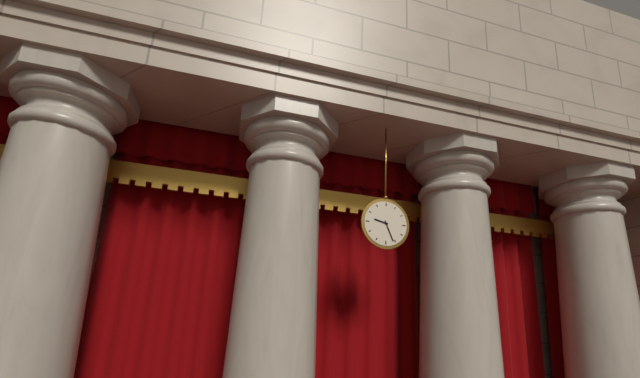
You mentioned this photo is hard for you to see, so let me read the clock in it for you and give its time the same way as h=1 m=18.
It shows h=9 m=26
